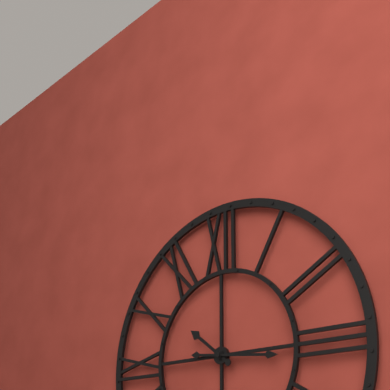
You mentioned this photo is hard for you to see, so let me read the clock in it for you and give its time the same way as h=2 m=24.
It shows h=10 m=16
